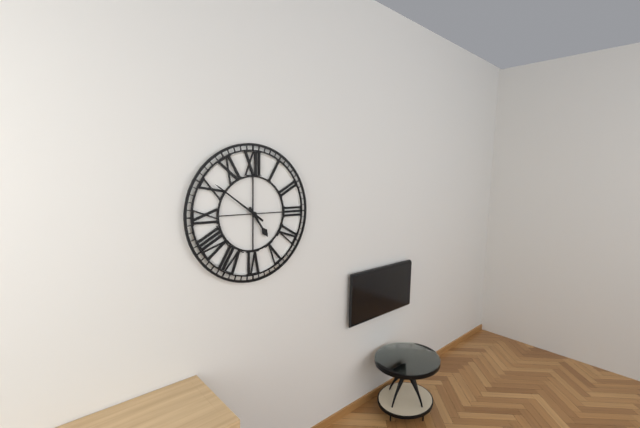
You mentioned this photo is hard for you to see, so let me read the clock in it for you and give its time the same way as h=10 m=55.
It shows h=4 m=51
